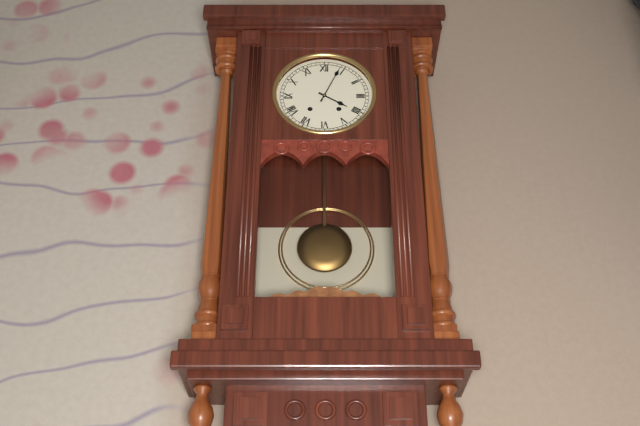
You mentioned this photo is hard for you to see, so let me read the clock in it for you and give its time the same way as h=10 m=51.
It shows h=4 m=4
